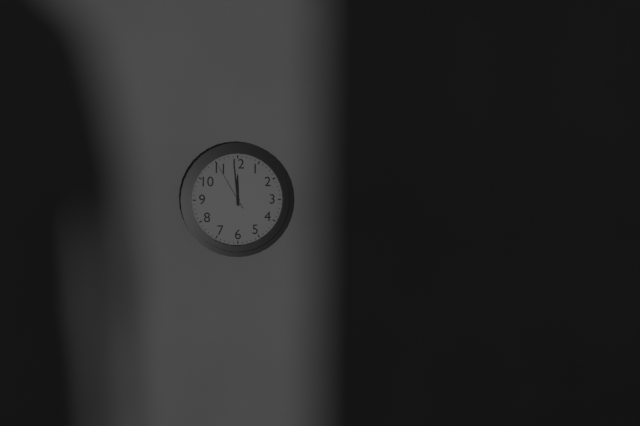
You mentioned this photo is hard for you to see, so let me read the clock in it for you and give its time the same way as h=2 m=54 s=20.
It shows h=11 m=59 s=55
